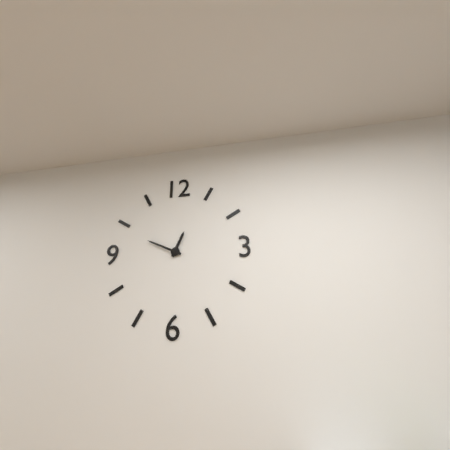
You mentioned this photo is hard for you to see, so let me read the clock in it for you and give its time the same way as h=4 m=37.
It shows h=12 m=49
